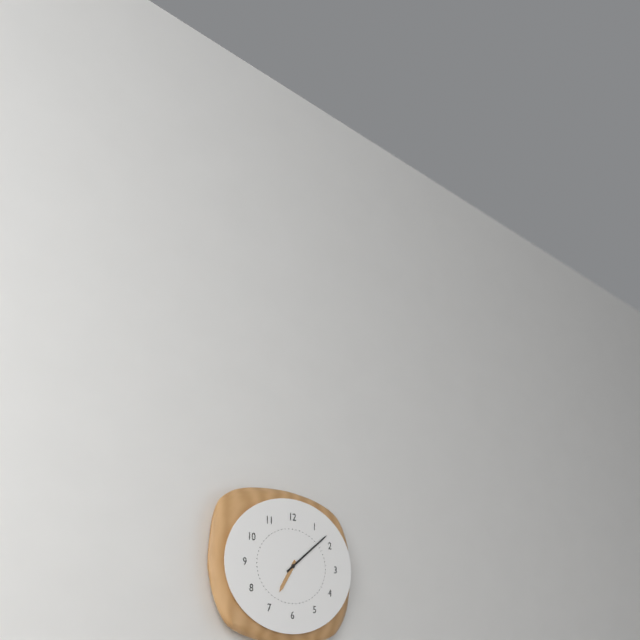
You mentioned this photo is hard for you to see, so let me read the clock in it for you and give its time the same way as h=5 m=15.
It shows h=7 m=9
